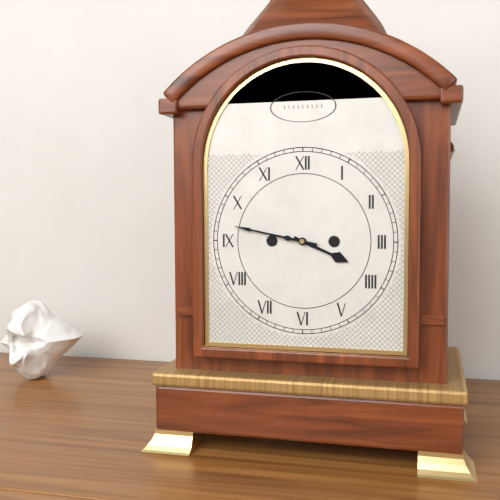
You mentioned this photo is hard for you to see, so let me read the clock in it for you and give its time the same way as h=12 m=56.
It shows h=3 m=47
